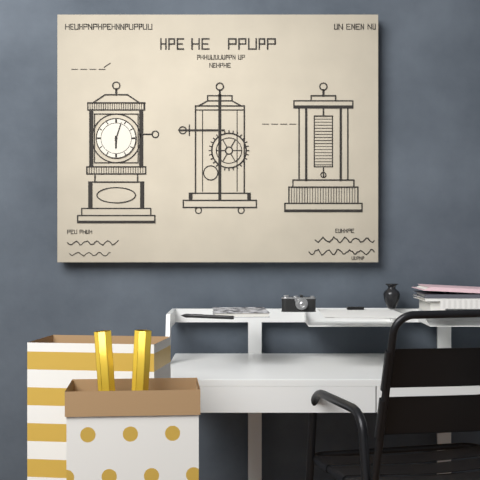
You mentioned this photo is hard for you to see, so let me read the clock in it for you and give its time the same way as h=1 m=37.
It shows h=6 m=3
